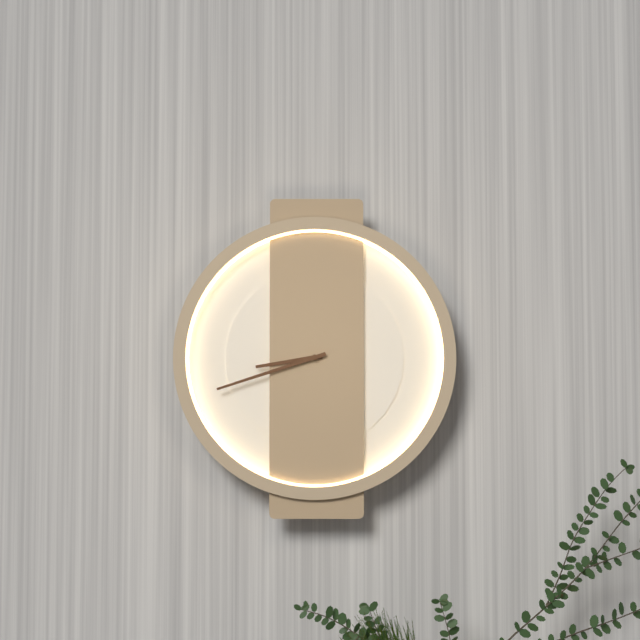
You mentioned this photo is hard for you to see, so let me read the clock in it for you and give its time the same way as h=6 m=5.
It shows h=8 m=42
